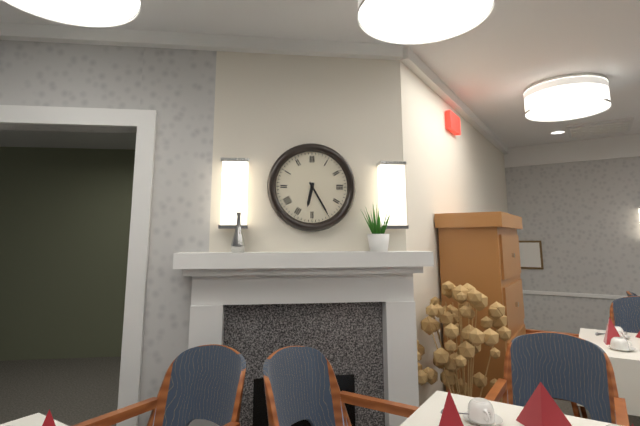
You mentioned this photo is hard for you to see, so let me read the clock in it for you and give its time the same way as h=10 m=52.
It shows h=6 m=25
